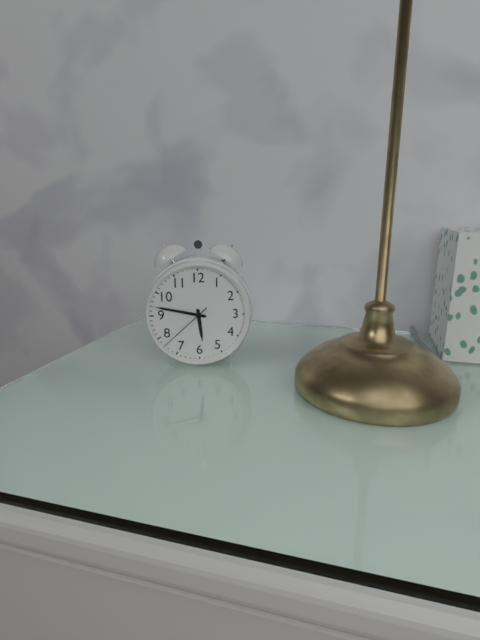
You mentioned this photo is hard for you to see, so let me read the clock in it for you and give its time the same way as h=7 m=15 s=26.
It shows h=5 m=47 s=38
